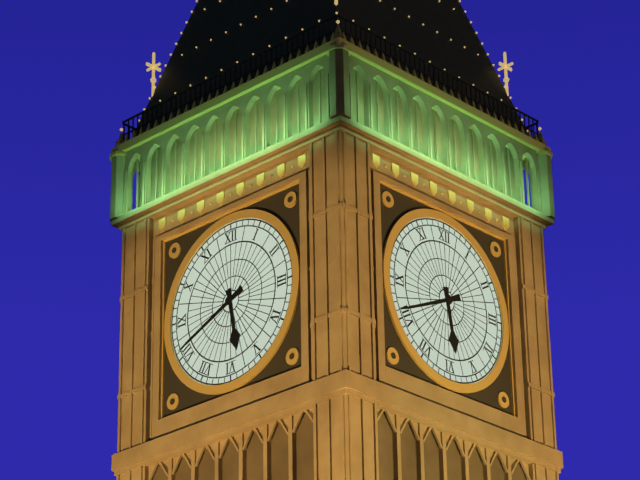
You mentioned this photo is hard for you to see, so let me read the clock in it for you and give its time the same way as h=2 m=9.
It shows h=5 m=41
